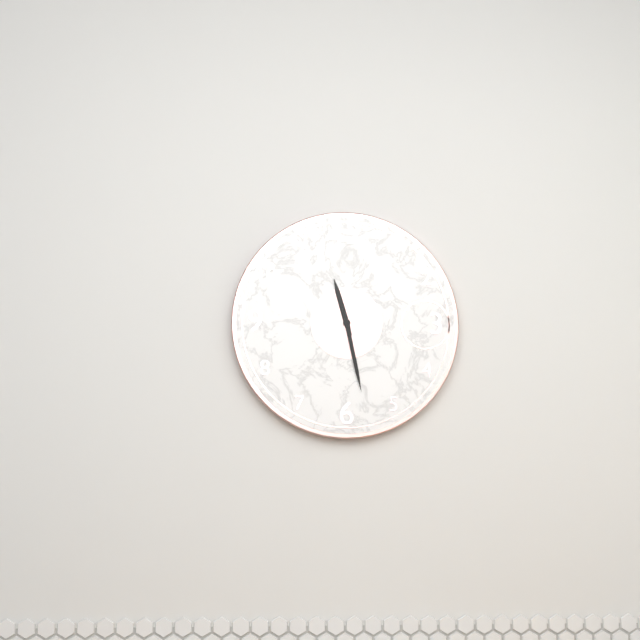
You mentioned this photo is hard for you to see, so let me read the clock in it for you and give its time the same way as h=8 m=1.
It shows h=11 m=28
